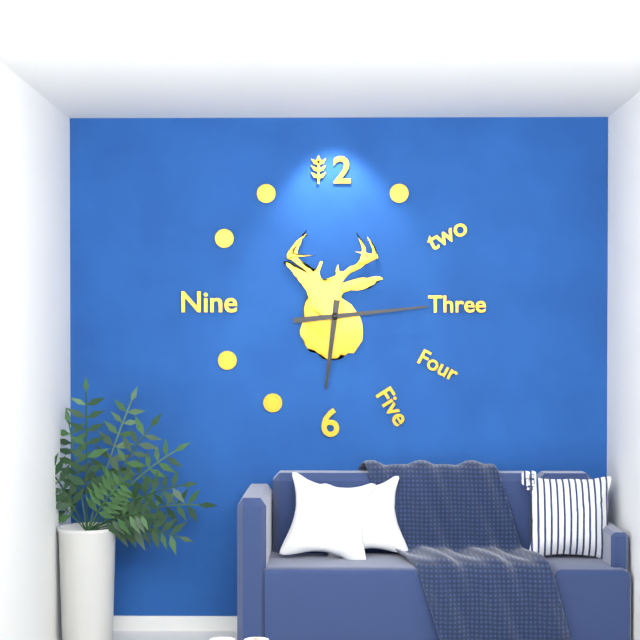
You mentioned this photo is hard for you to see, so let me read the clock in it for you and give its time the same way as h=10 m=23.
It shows h=6 m=14
